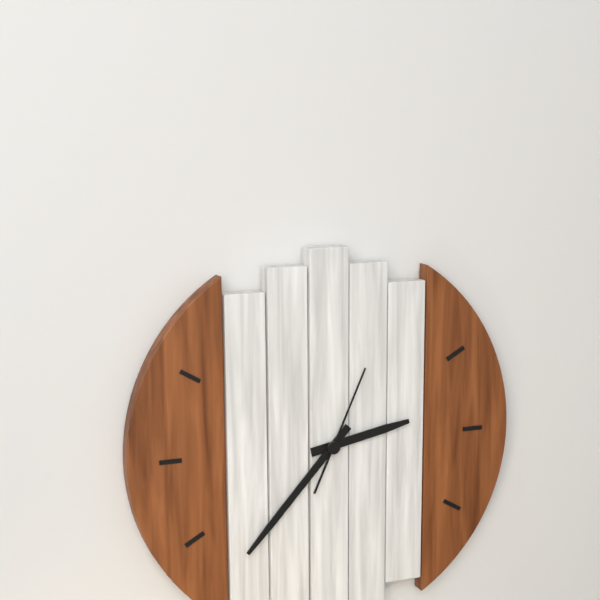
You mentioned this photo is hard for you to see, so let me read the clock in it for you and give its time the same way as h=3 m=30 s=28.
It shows h=2 m=37 s=4
